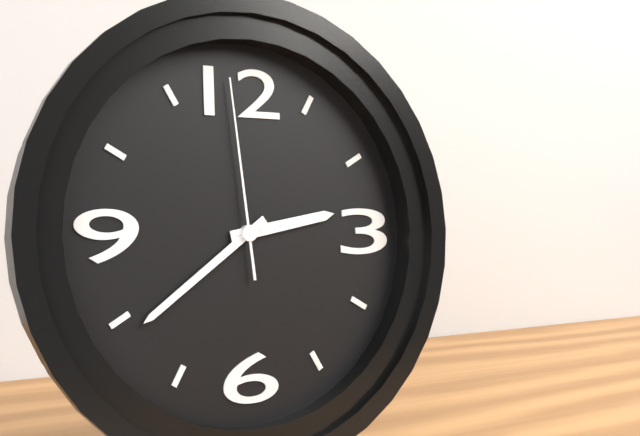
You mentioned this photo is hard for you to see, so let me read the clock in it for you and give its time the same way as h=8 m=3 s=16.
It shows h=2 m=39 s=59
